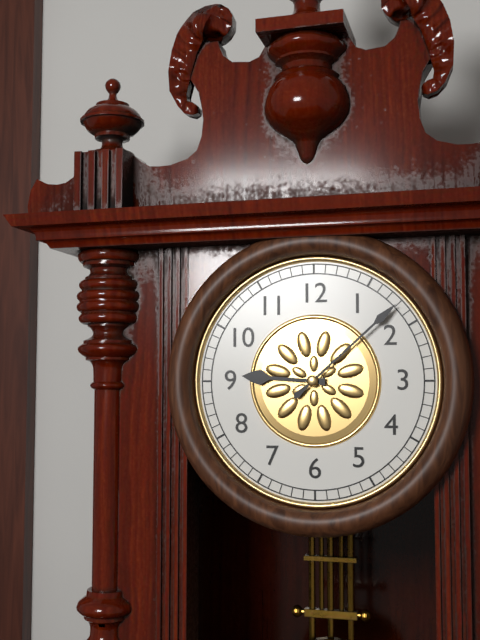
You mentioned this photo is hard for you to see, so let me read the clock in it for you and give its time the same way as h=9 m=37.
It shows h=9 m=8
